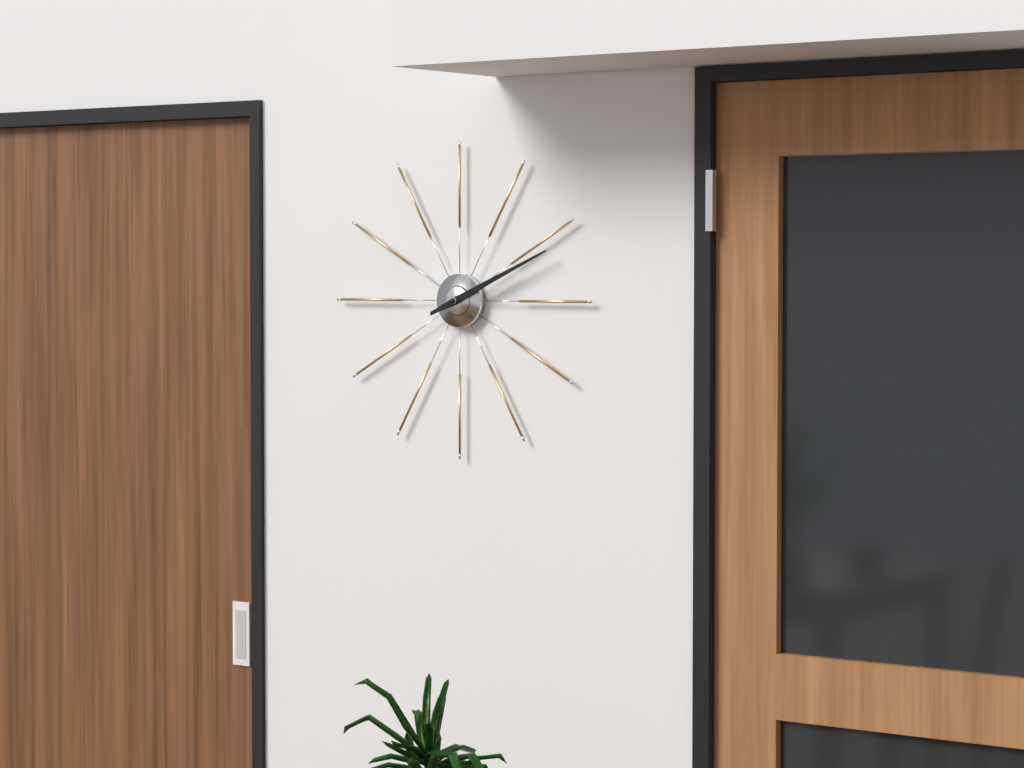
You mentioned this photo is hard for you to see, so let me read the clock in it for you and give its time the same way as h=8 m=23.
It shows h=2 m=11
